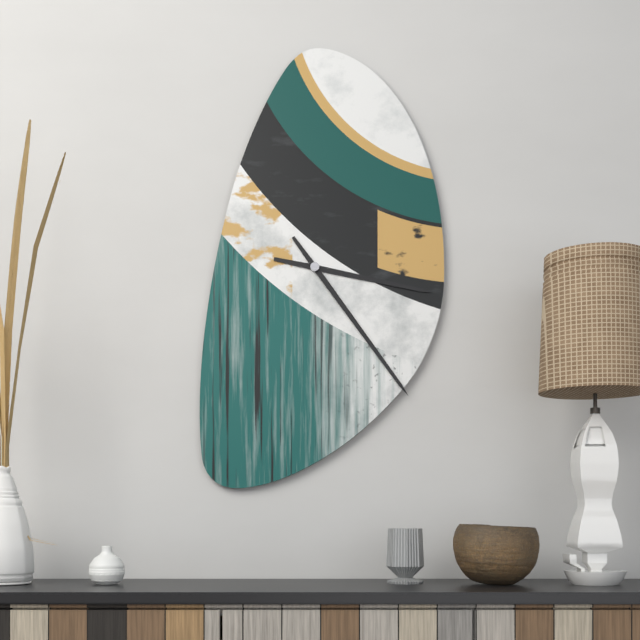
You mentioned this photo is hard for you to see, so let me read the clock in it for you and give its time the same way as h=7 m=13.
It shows h=3 m=24
